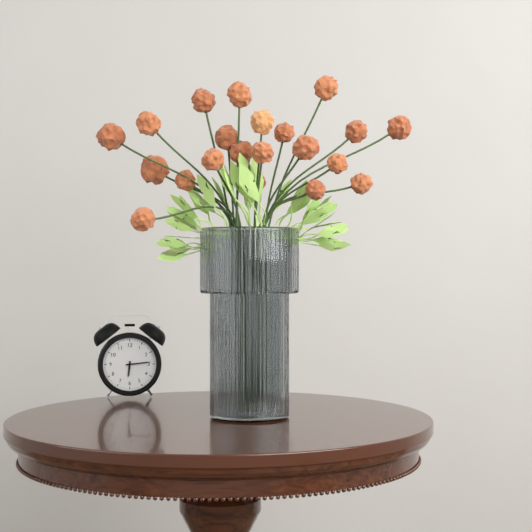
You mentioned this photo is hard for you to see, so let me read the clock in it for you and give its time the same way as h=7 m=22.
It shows h=6 m=14
